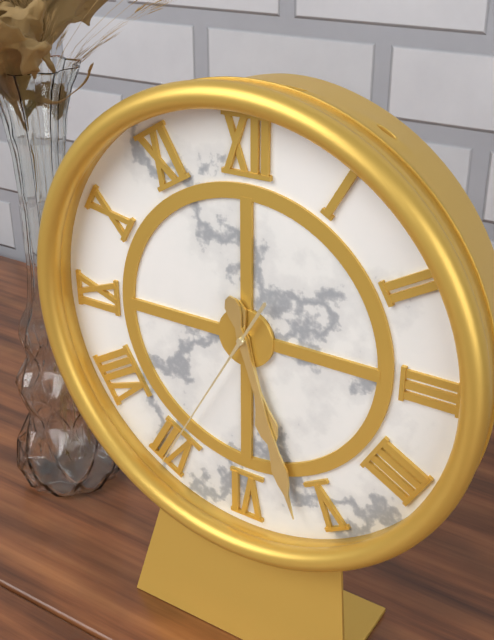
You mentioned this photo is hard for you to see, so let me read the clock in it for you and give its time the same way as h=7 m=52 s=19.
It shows h=5 m=27 s=35
